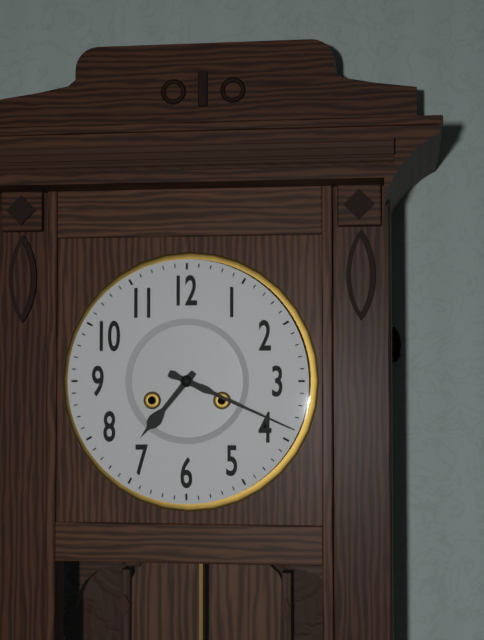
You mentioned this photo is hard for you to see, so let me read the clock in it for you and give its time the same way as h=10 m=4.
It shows h=7 m=19
